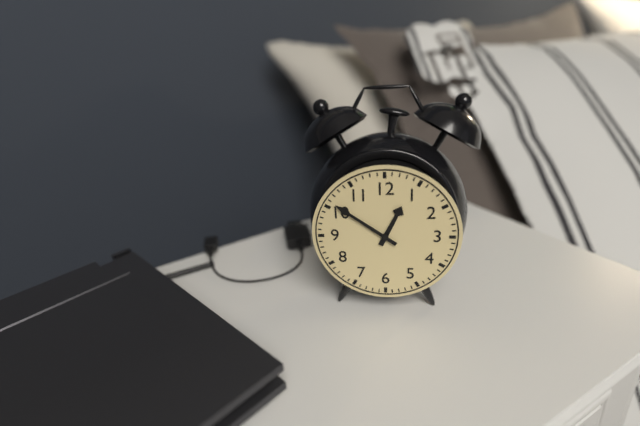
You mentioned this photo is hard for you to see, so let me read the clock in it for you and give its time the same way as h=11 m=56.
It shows h=12 m=51
